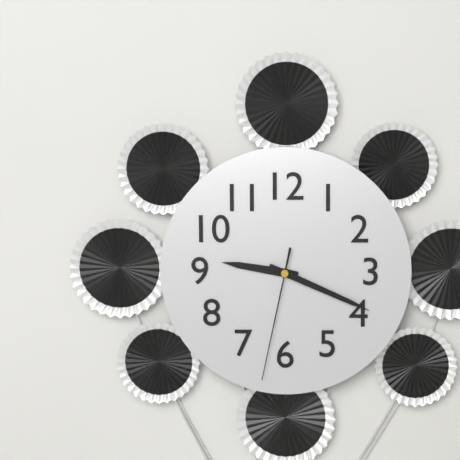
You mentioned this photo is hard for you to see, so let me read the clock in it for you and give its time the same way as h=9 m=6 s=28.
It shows h=9 m=19 s=32
